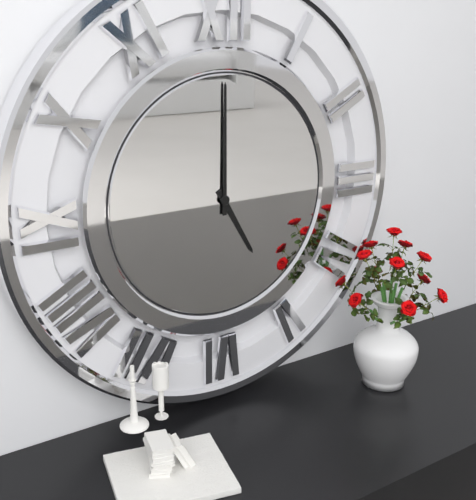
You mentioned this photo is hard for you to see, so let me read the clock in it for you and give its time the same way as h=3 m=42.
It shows h=5 m=0
